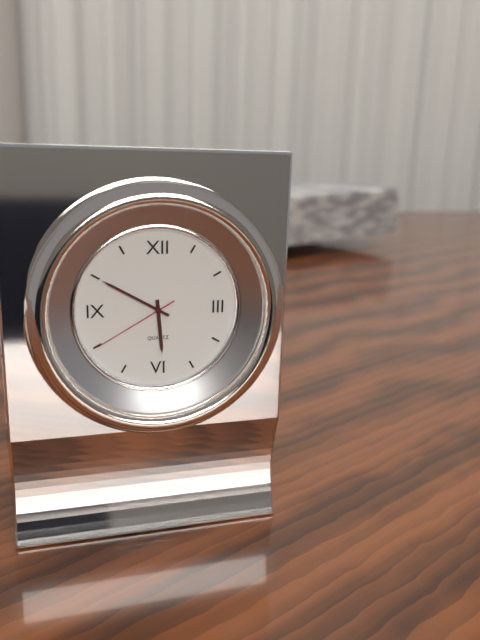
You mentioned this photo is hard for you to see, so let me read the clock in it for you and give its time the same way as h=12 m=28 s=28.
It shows h=5 m=50 s=40
